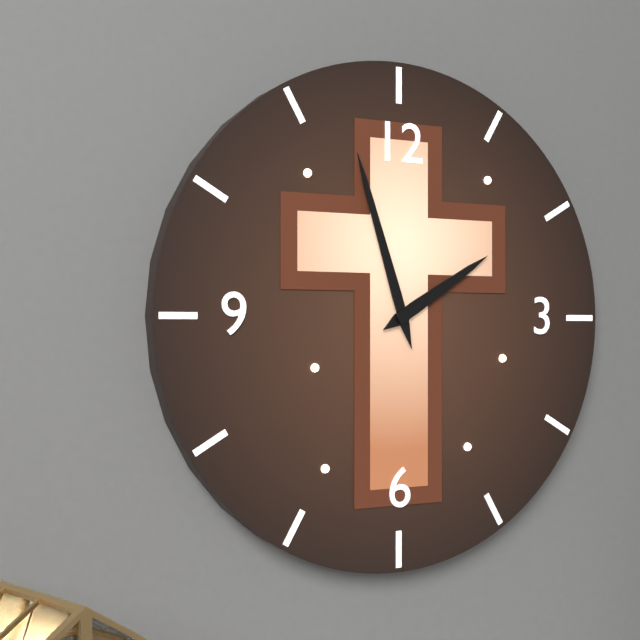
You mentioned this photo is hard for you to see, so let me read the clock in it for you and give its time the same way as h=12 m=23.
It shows h=1 m=57
